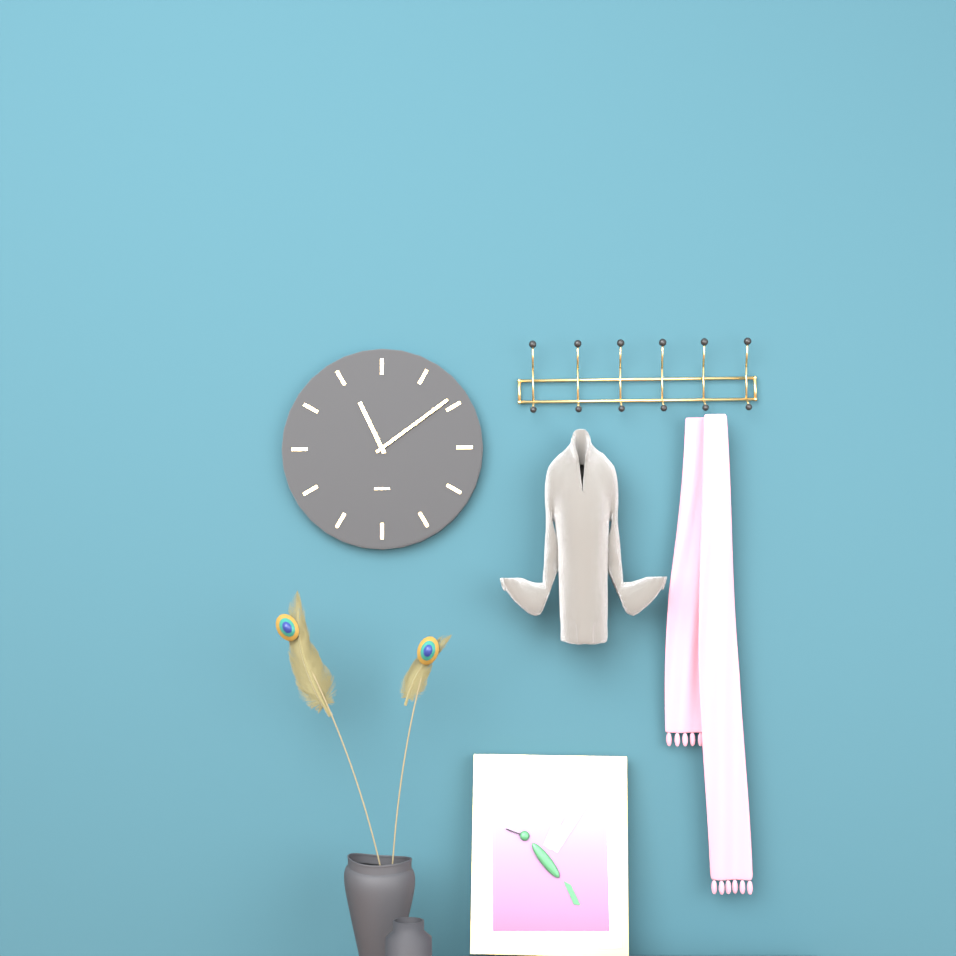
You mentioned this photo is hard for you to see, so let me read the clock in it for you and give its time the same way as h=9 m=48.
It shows h=11 m=9
